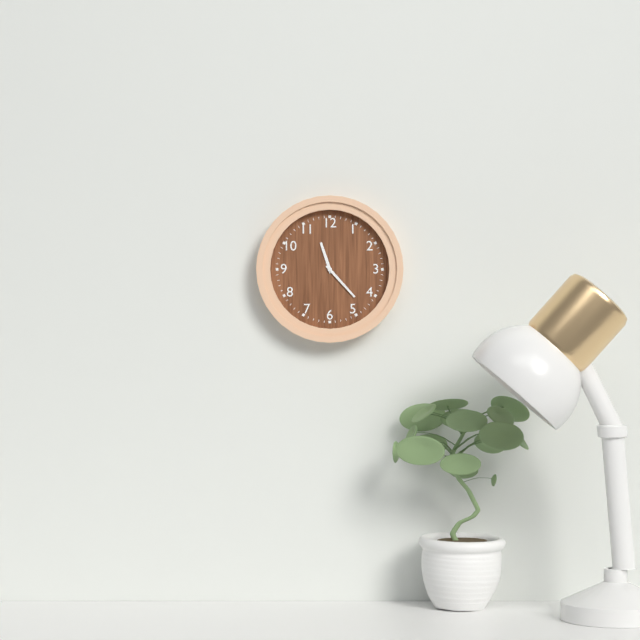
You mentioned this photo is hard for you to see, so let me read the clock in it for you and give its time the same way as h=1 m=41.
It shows h=11 m=23
